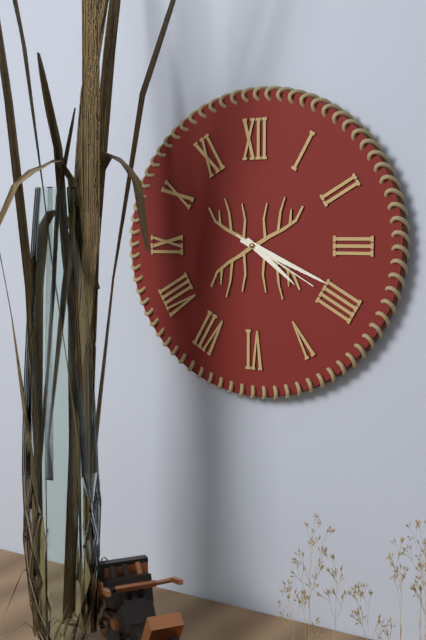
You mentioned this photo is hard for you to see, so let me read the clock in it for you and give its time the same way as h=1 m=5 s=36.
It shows h=4 m=19 s=20
